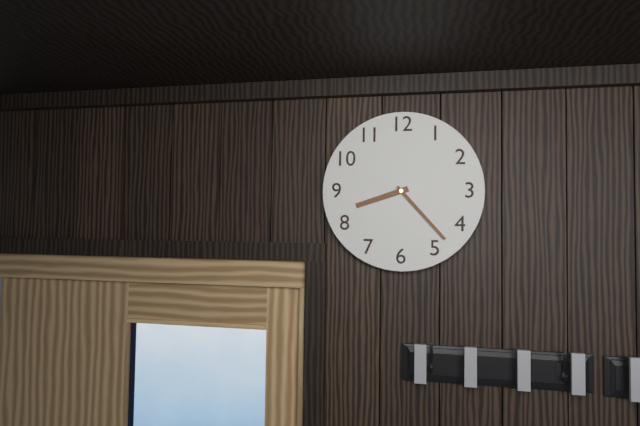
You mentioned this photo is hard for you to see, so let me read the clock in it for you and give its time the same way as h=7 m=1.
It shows h=8 m=23
